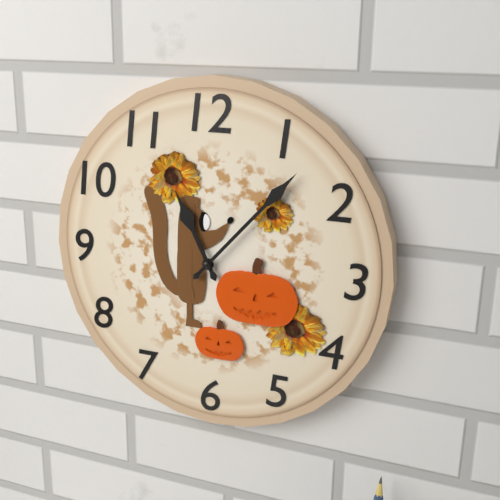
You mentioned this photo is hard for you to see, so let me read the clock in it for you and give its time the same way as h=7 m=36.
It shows h=11 m=7
